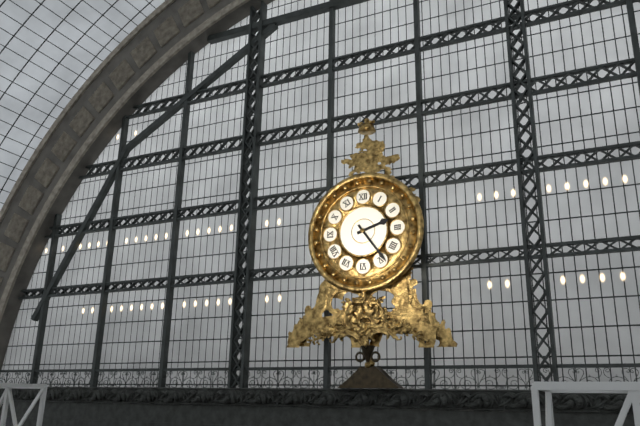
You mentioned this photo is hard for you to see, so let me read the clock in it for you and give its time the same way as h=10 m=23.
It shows h=2 m=24
